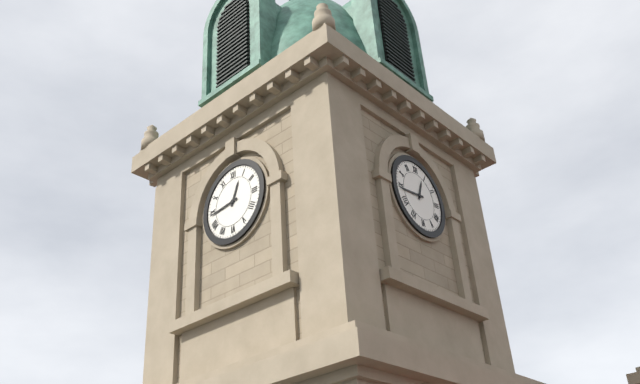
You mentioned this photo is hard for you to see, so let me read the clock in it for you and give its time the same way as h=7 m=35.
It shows h=12 m=44
